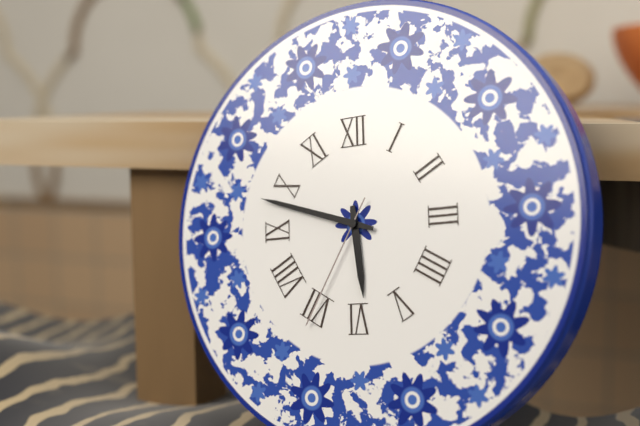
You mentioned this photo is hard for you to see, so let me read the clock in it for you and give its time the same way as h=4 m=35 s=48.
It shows h=5 m=48 s=35
